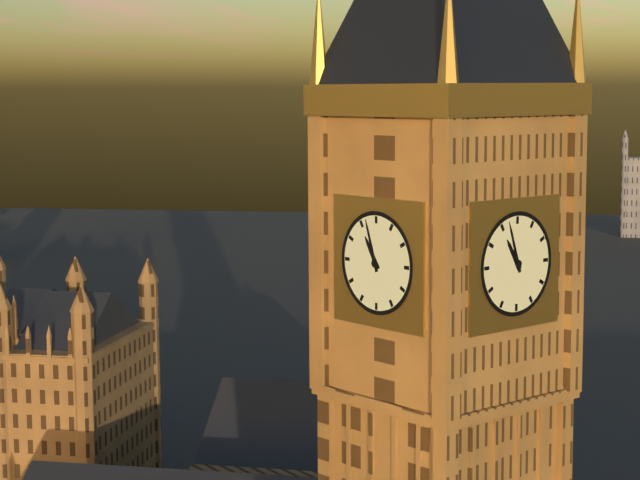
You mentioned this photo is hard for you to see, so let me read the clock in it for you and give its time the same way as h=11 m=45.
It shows h=10 m=57
